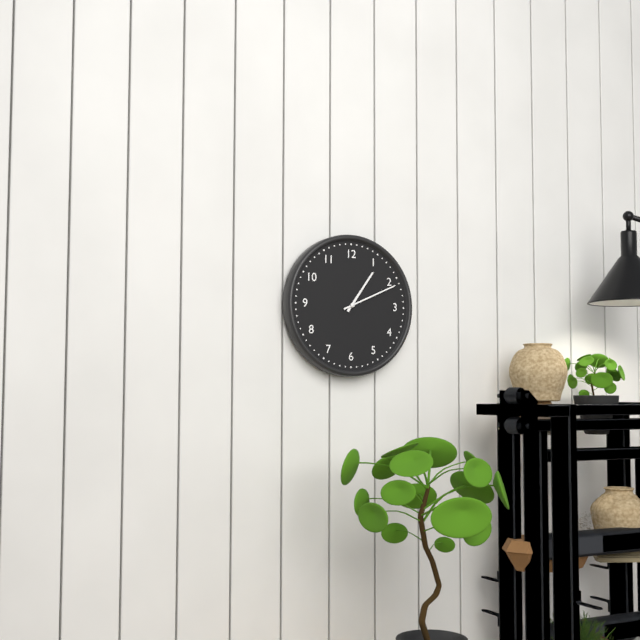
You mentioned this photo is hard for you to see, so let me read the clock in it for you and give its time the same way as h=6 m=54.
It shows h=1 m=11
